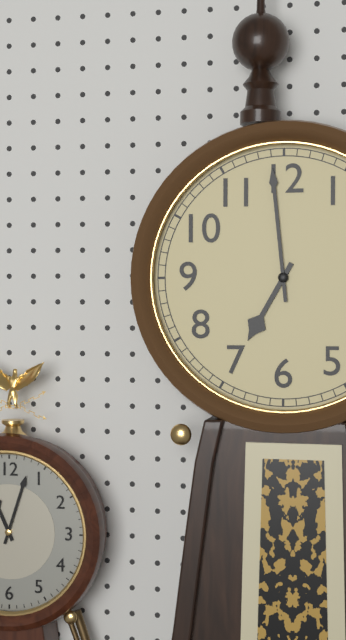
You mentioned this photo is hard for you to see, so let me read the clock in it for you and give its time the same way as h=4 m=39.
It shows h=6 m=59
